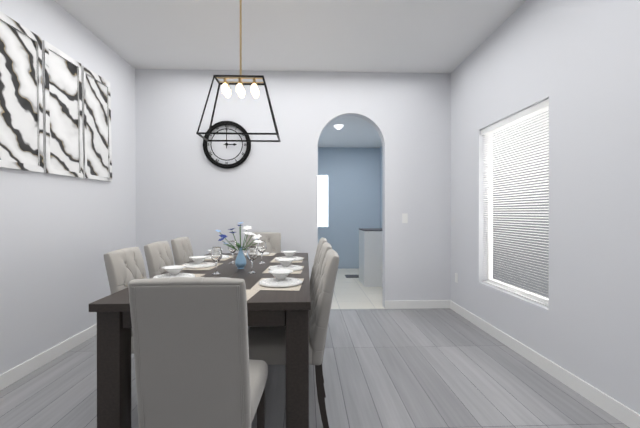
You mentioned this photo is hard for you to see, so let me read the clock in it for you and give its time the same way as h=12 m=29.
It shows h=3 m=0
